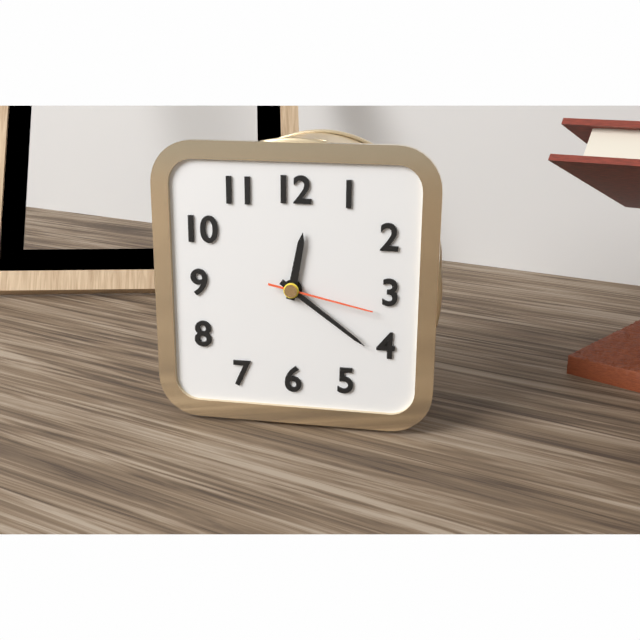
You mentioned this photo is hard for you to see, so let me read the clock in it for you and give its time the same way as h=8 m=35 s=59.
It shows h=12 m=21 s=17
